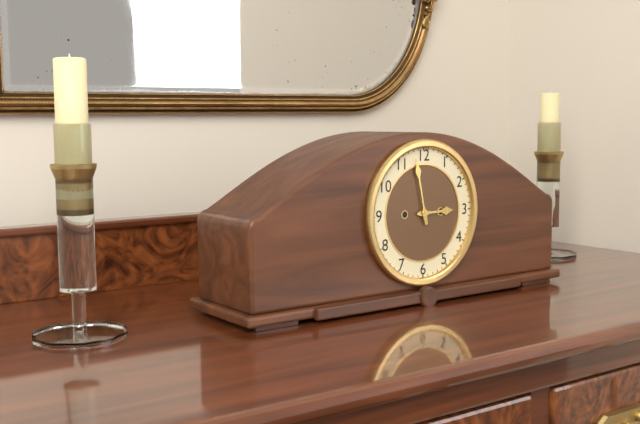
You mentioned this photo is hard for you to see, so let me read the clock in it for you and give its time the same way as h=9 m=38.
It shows h=2 m=58
